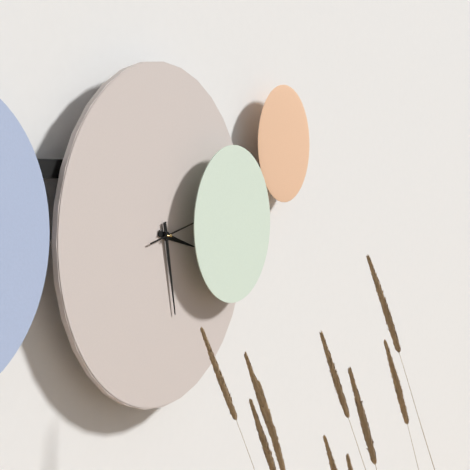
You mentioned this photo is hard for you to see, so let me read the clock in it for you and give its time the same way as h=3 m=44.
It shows h=3 m=28
